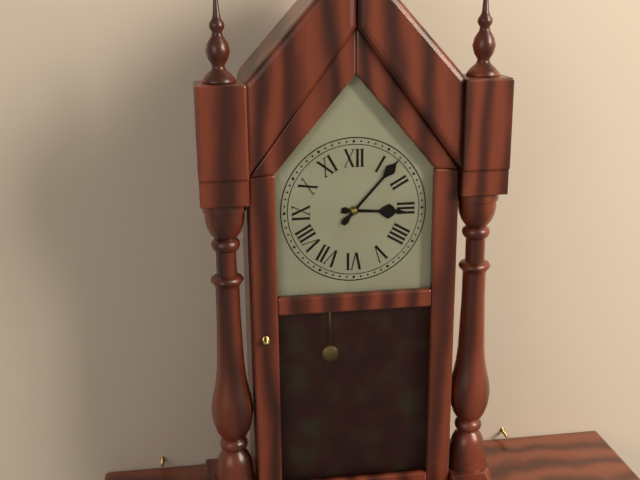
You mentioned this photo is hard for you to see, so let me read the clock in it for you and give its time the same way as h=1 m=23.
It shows h=3 m=7
